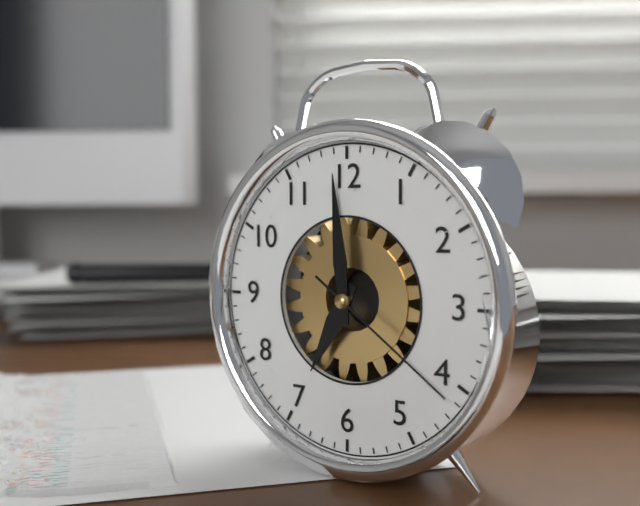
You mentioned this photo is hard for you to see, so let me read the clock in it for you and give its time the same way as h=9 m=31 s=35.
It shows h=6 m=59 s=21
